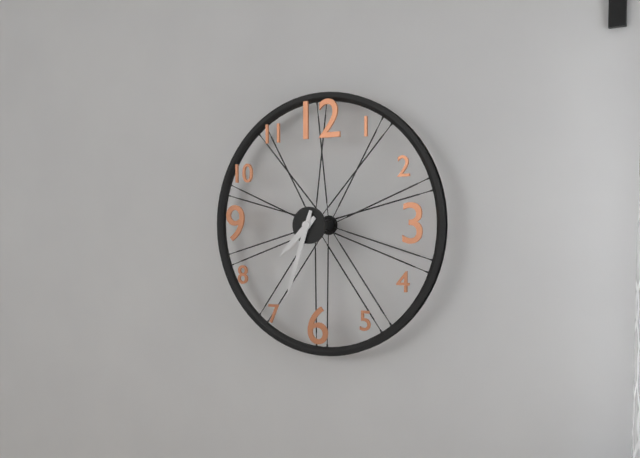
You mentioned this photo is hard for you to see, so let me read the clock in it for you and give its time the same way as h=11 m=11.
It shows h=7 m=33
